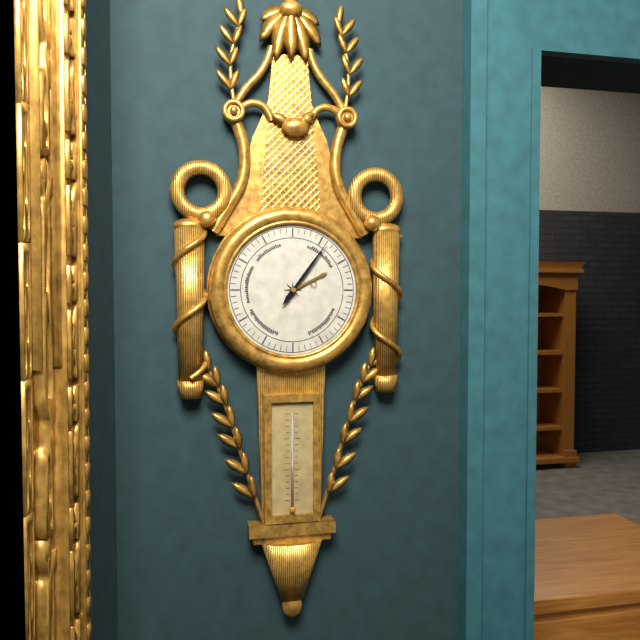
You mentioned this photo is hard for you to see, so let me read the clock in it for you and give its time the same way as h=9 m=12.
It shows h=2 m=6
